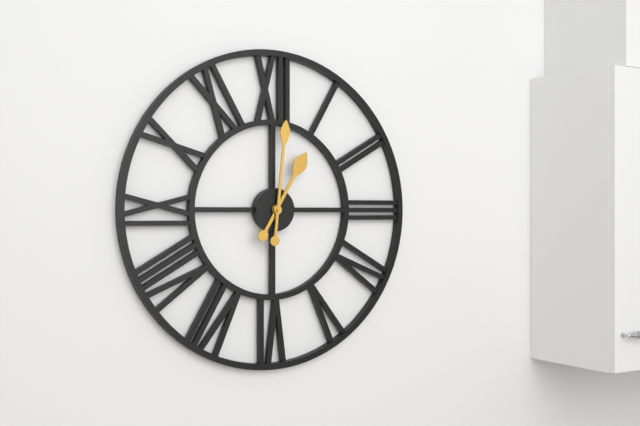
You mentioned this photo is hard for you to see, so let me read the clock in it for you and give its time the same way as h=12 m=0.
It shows h=1 m=1
